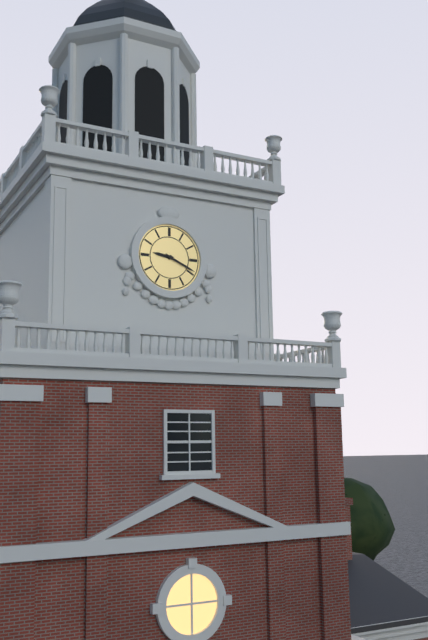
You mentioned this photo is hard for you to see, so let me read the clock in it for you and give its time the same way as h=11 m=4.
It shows h=9 m=19
